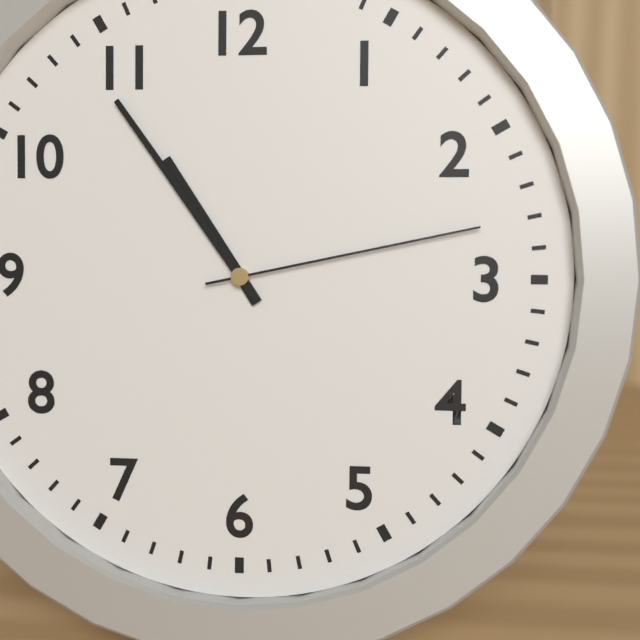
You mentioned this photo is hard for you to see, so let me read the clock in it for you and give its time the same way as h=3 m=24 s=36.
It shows h=10 m=54 s=13
